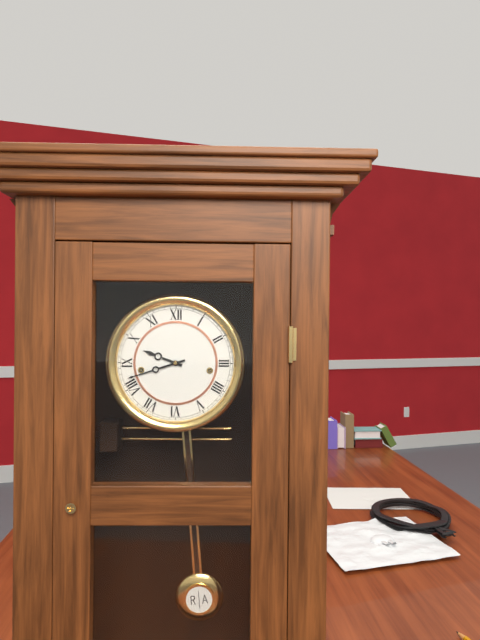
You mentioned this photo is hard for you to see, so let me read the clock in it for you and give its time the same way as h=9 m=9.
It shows h=9 m=42
